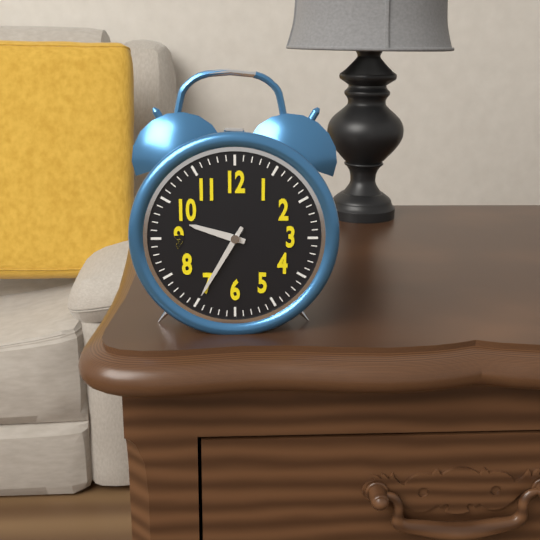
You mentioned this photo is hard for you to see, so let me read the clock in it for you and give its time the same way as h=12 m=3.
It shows h=9 m=35
